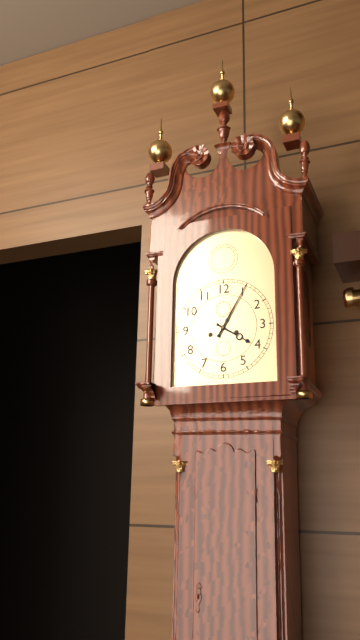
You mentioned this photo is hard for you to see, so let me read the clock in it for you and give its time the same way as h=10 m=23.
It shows h=4 m=5
